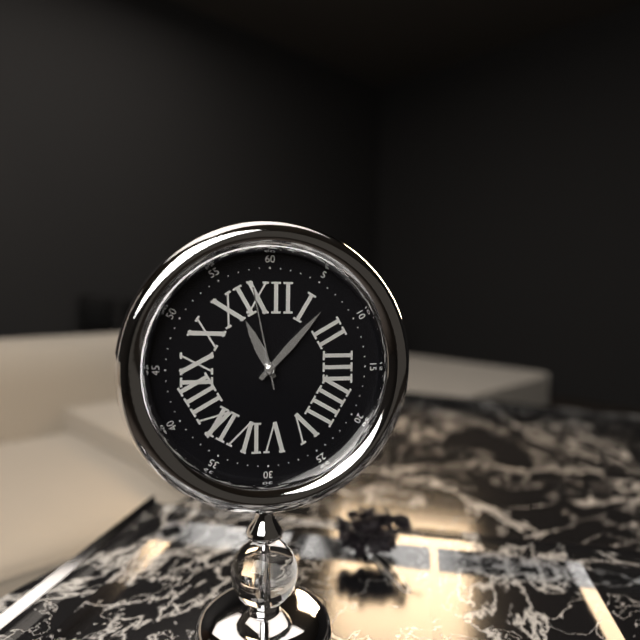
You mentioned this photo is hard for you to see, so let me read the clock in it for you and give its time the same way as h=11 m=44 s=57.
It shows h=11 m=7 s=58
